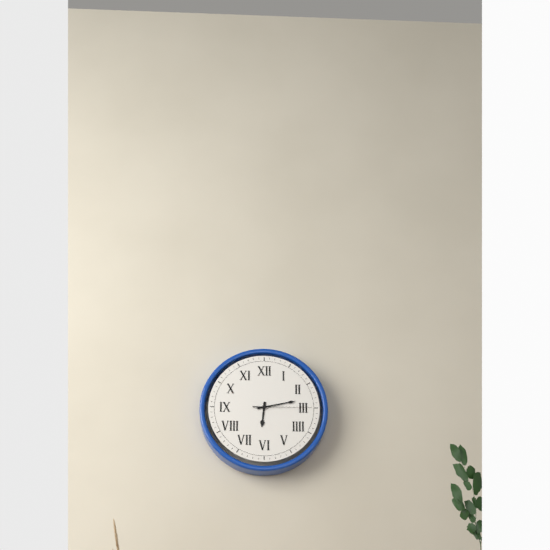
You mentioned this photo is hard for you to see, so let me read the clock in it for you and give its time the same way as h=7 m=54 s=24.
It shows h=6 m=13 s=15
